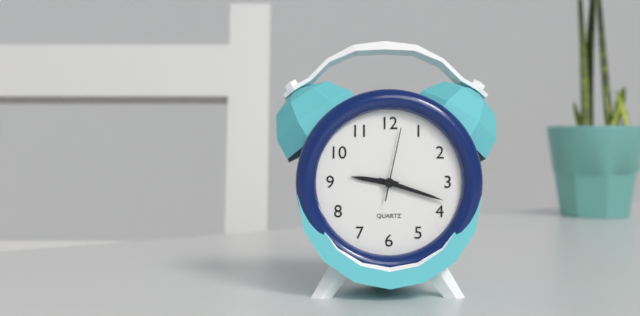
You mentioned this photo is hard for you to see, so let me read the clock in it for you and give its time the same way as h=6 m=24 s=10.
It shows h=9 m=18 s=2
